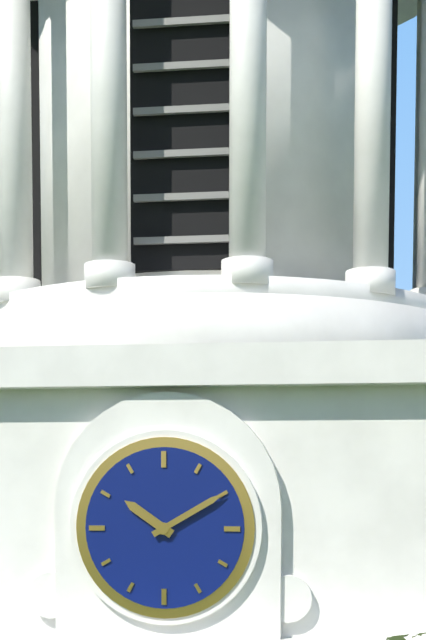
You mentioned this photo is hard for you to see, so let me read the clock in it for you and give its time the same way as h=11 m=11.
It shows h=10 m=10
